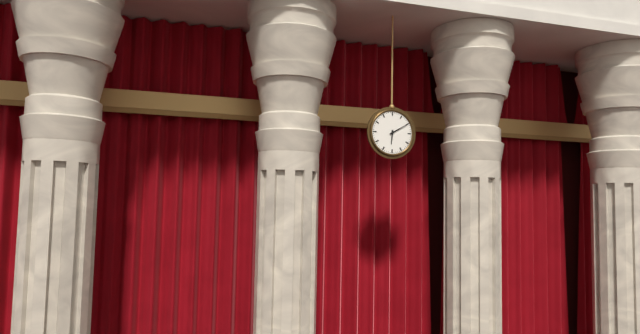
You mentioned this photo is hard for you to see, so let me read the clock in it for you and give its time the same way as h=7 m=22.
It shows h=6 m=10
